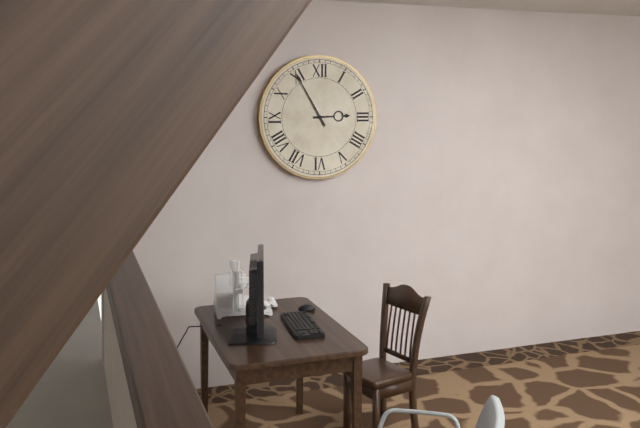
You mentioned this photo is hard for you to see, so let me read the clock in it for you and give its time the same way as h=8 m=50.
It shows h=2 m=55
